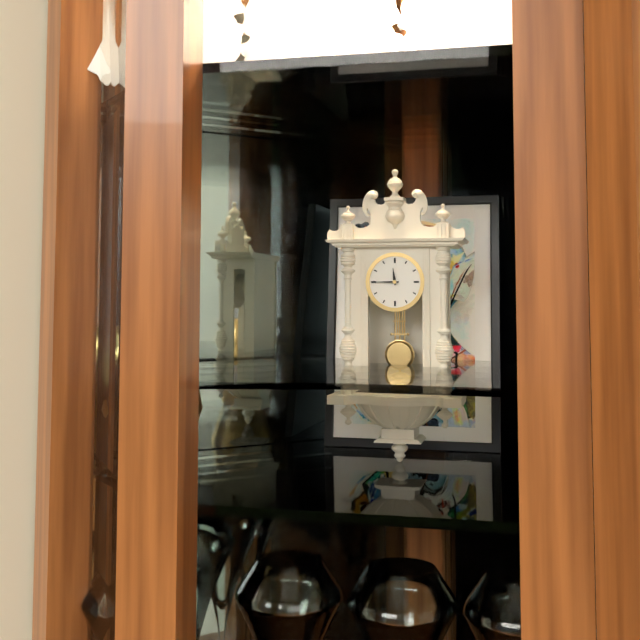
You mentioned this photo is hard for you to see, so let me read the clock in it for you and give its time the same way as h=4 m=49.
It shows h=11 m=45
